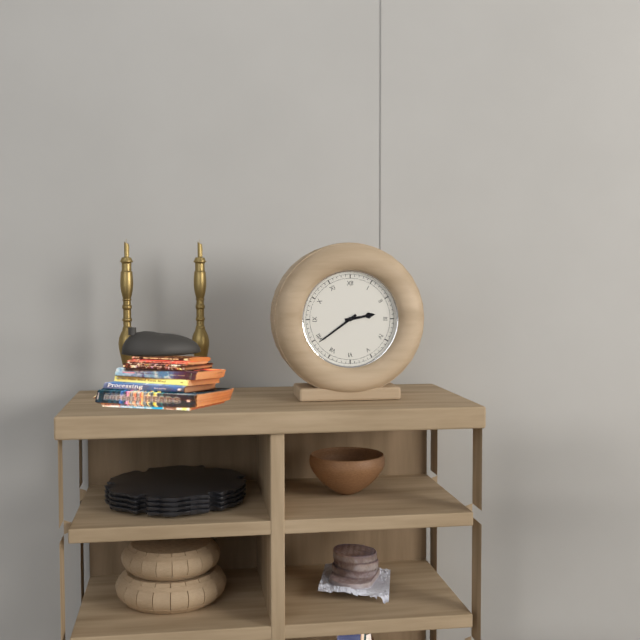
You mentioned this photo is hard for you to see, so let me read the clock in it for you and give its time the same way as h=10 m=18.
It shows h=2 m=39
